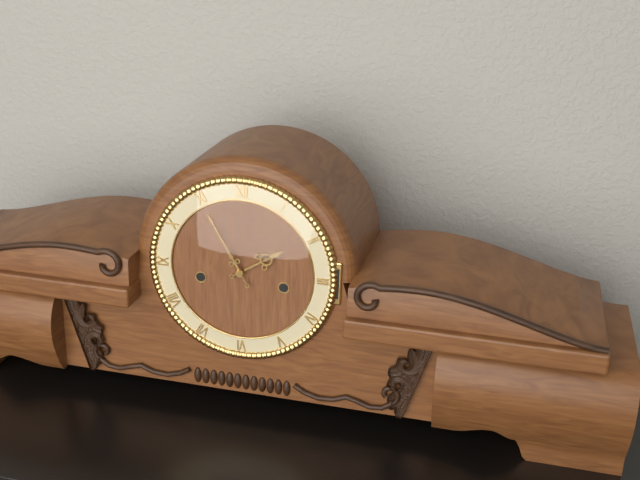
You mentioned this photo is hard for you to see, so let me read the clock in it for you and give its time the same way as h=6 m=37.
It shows h=1 m=55
